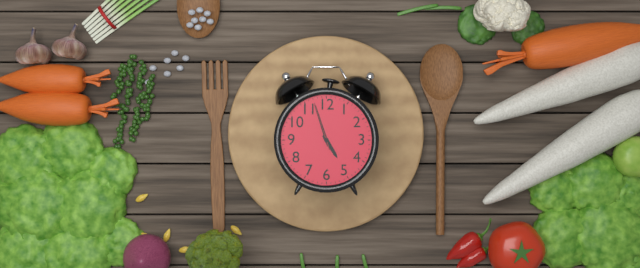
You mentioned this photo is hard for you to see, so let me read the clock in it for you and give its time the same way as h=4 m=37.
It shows h=4 m=57
